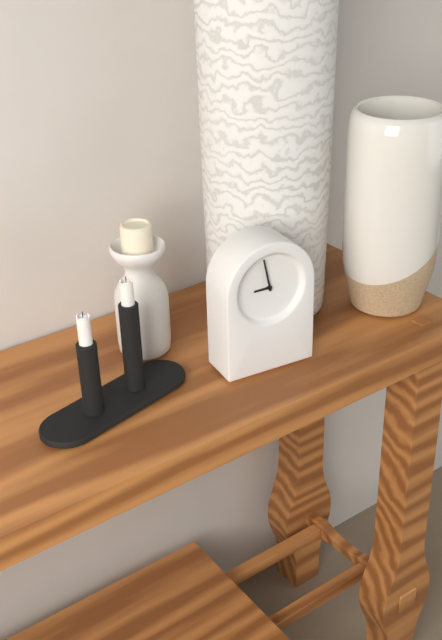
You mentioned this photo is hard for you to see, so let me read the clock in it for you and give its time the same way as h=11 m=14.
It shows h=8 m=58
